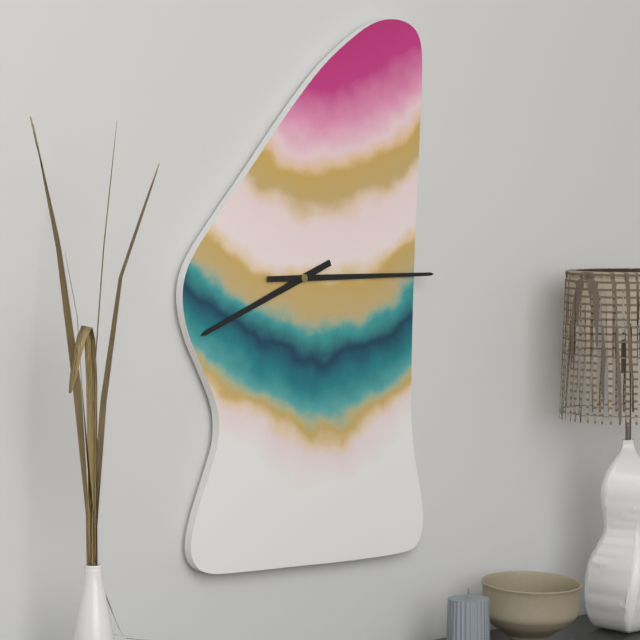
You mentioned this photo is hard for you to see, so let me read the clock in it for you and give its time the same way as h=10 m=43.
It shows h=8 m=15
